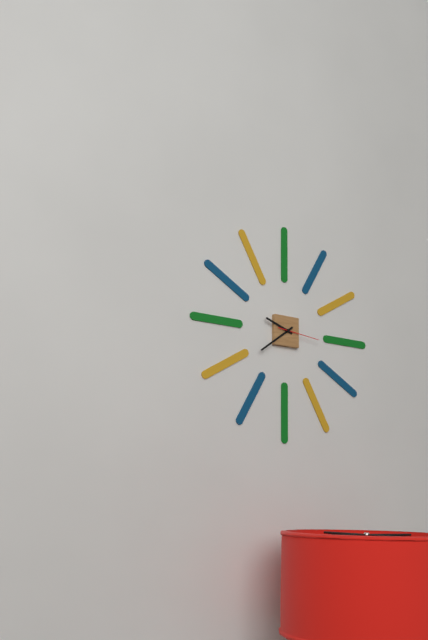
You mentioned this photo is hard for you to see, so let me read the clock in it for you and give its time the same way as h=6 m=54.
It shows h=9 m=39
